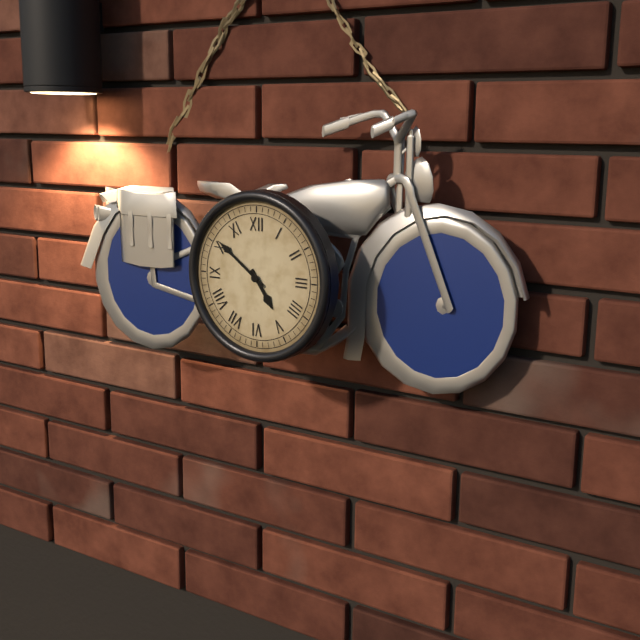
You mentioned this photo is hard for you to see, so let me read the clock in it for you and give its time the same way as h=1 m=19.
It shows h=4 m=51
